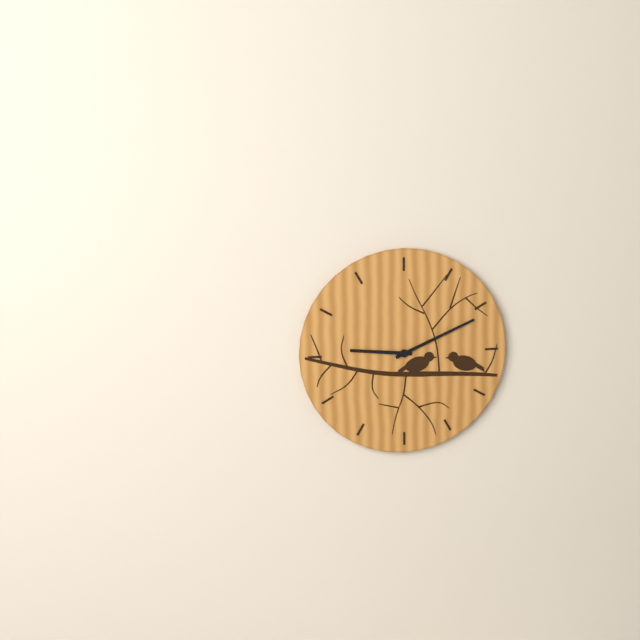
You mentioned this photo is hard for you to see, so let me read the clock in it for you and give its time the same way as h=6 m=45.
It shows h=9 m=11
